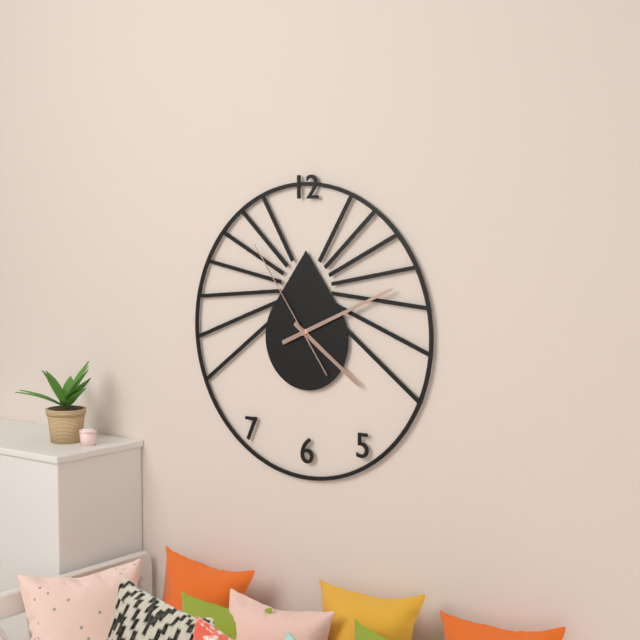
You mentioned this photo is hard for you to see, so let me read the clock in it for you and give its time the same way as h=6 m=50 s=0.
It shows h=4 m=11 s=54
